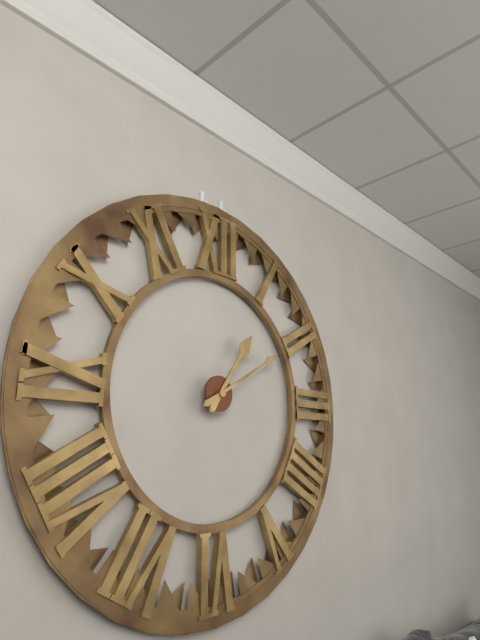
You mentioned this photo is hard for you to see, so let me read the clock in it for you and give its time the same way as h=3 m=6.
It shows h=1 m=10
